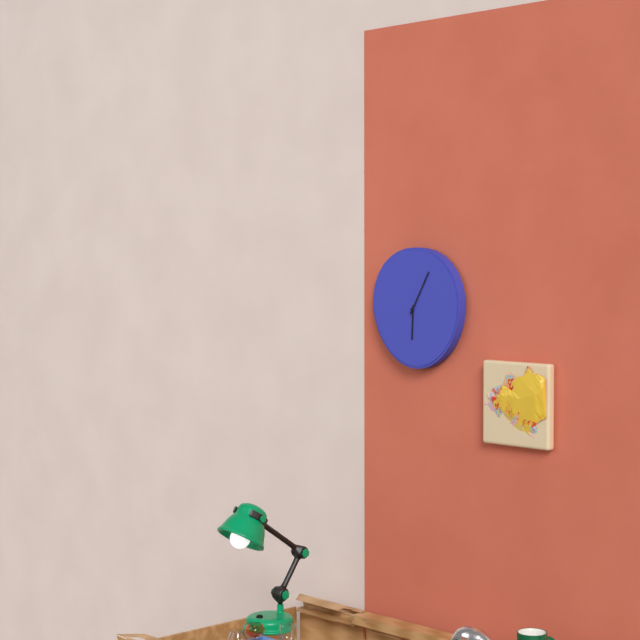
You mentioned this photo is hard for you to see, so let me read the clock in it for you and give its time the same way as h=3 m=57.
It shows h=6 m=5
